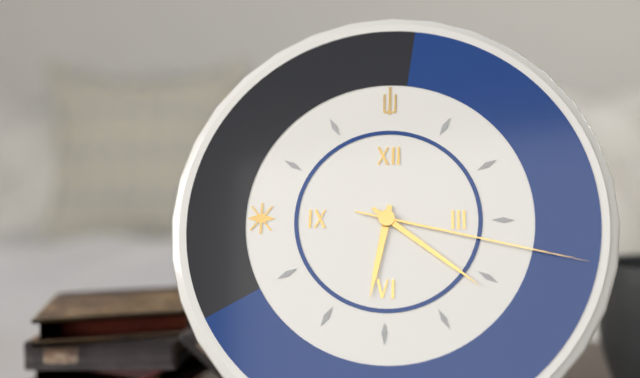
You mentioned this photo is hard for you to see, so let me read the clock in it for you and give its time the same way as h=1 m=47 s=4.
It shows h=6 m=21 s=17
